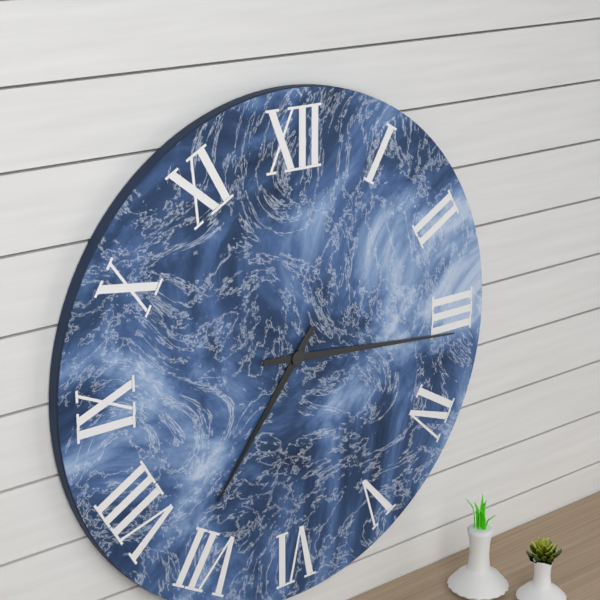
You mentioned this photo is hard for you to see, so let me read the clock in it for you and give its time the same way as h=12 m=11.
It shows h=7 m=16
